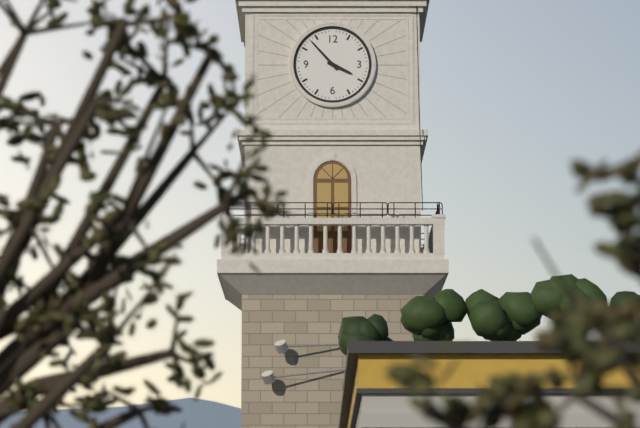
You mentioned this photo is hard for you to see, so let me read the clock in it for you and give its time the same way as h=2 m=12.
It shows h=3 m=53
